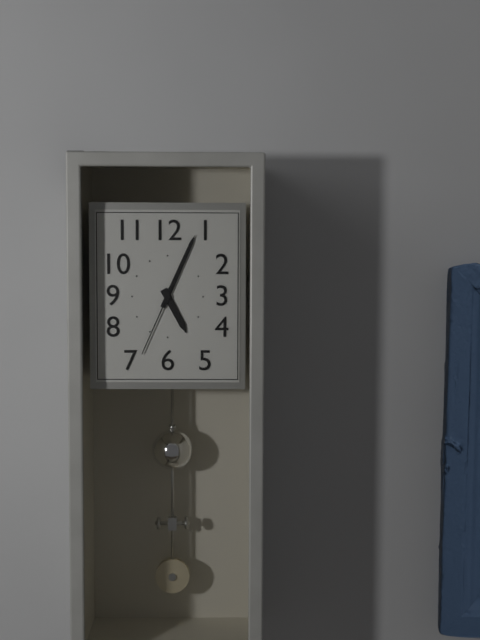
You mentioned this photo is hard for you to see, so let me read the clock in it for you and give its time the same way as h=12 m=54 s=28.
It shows h=5 m=4 s=34
